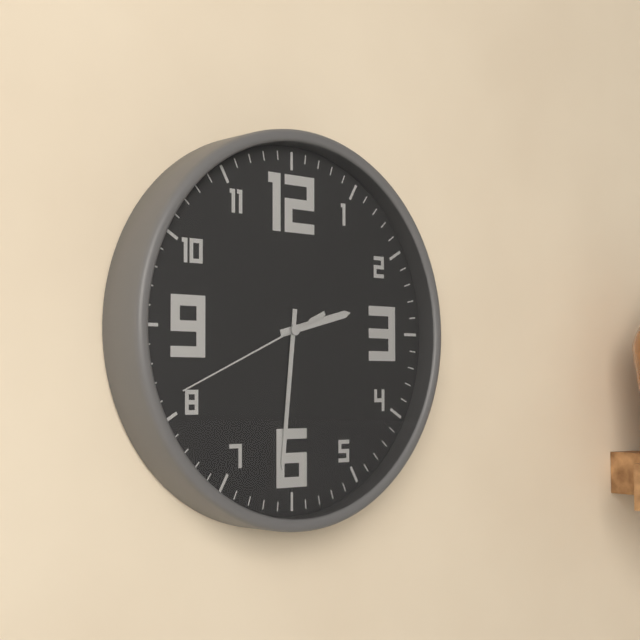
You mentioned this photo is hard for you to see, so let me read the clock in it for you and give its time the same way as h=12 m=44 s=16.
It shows h=2 m=31 s=41
